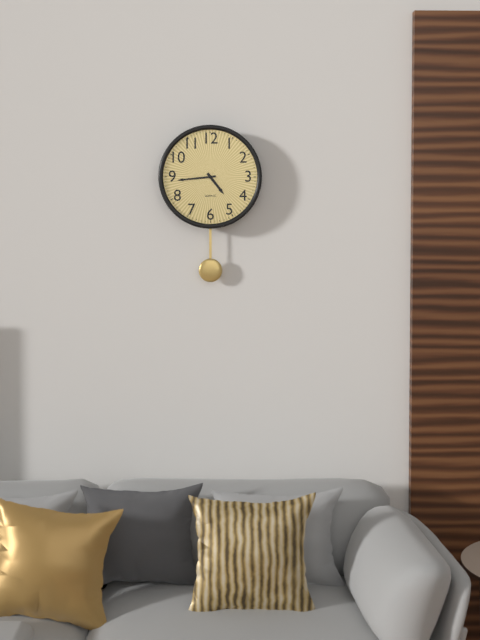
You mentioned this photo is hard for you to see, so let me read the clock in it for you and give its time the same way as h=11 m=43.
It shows h=4 m=44
